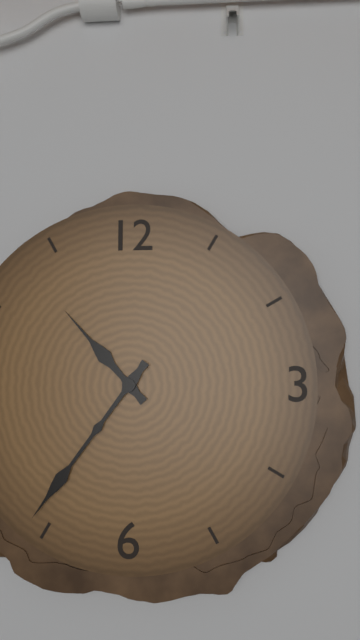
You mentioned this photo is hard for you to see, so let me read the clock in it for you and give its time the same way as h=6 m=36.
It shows h=10 m=36
